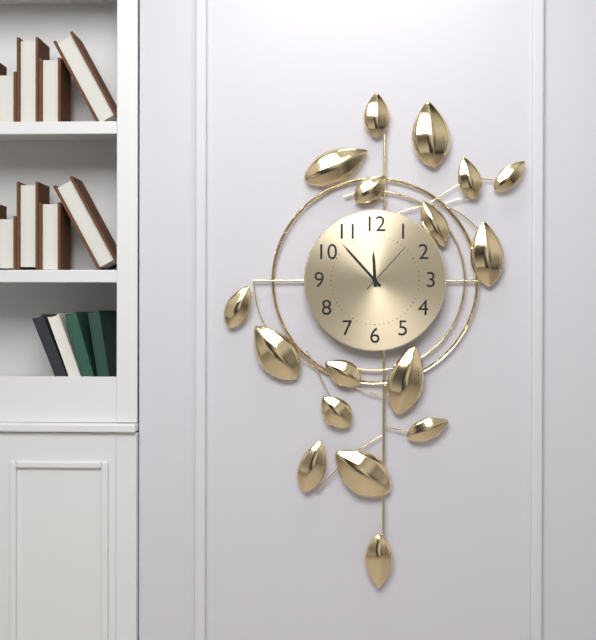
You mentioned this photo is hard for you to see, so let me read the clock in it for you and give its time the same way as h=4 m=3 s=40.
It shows h=11 m=53 s=7
